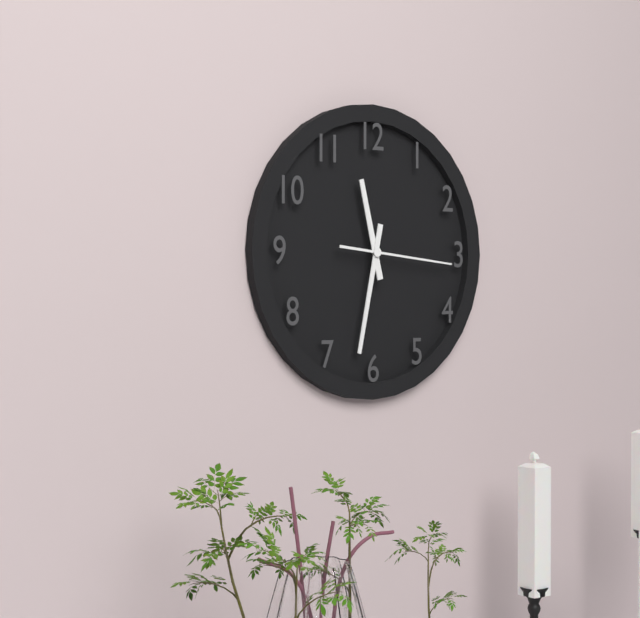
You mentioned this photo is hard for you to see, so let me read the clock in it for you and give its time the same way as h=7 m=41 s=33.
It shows h=11 m=32 s=16
